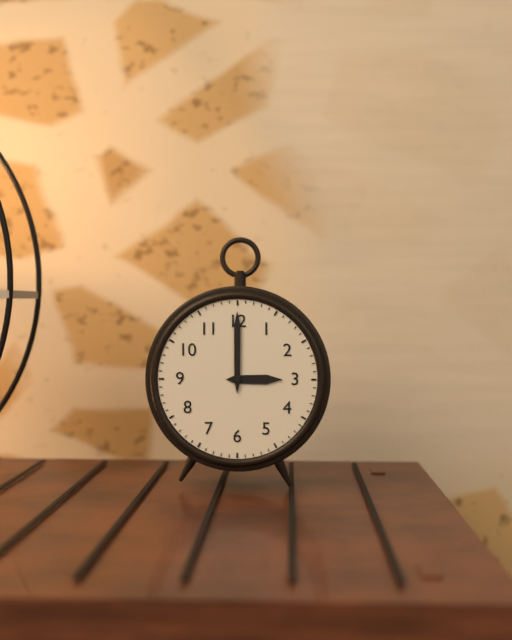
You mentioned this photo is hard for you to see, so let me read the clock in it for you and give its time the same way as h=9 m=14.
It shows h=3 m=0
